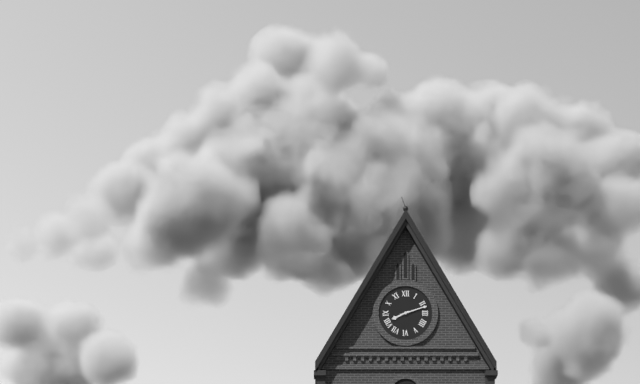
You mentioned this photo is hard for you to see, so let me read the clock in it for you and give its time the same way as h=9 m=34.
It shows h=8 m=12
